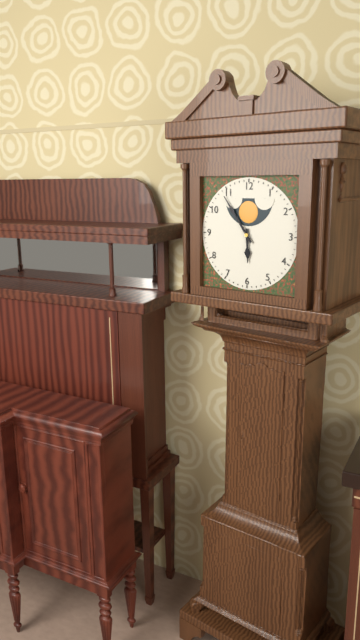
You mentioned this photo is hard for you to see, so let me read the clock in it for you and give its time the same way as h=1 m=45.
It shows h=5 m=54
